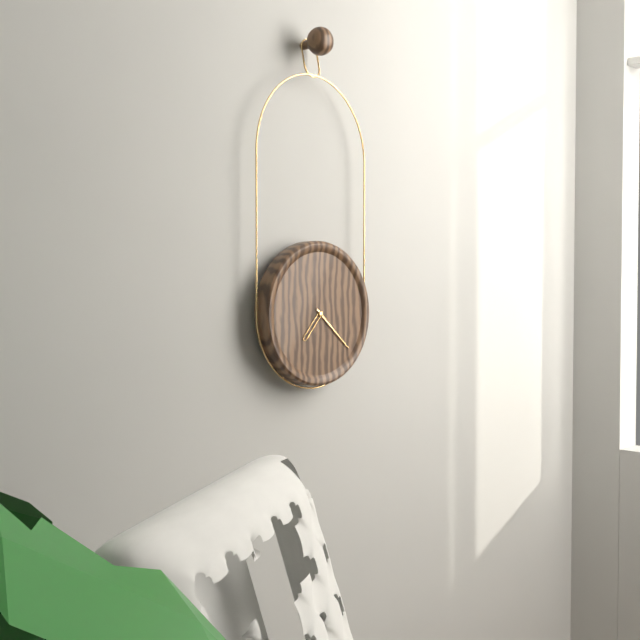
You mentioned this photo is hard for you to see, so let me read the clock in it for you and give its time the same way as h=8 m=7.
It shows h=7 m=22
